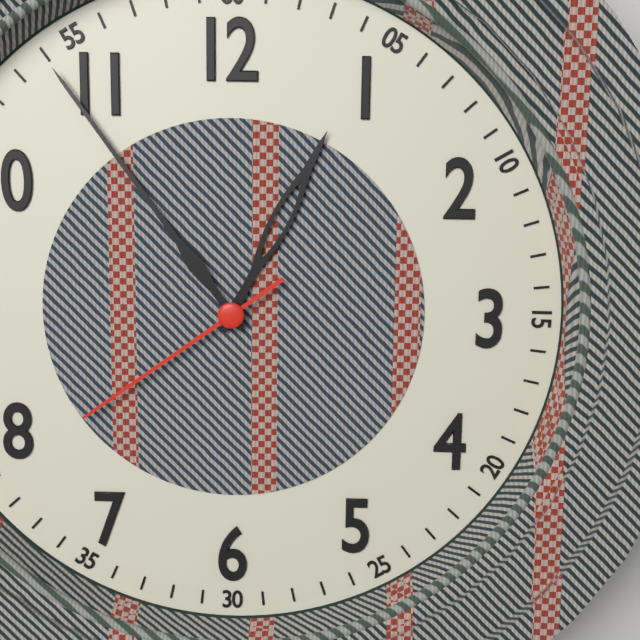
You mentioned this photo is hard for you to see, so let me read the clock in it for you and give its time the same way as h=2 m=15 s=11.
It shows h=12 m=54 s=39
